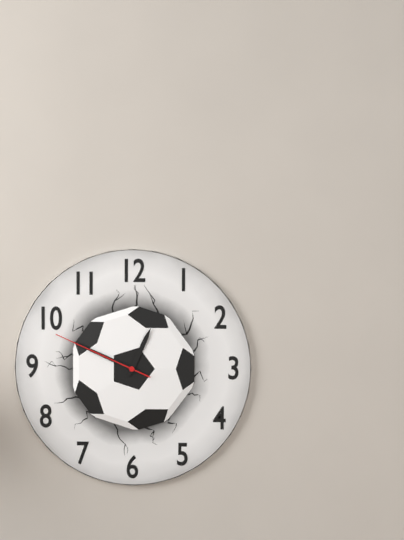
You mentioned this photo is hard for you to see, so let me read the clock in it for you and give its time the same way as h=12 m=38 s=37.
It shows h=12 m=49 s=49
